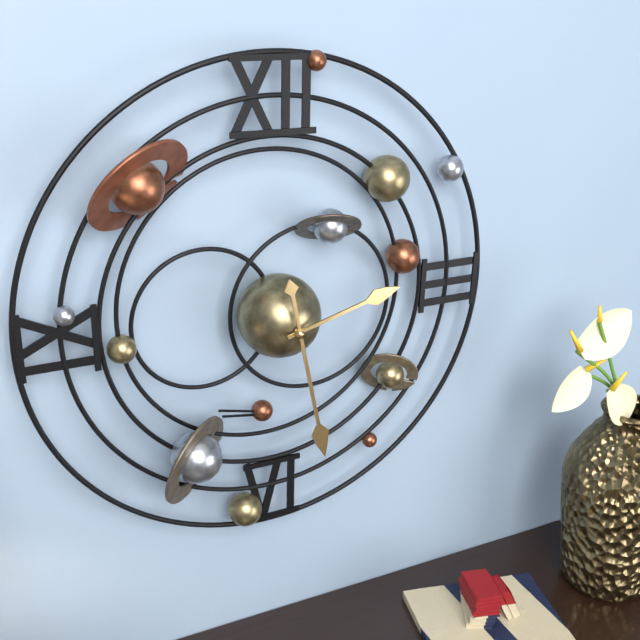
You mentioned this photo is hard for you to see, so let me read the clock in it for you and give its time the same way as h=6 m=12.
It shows h=2 m=28
